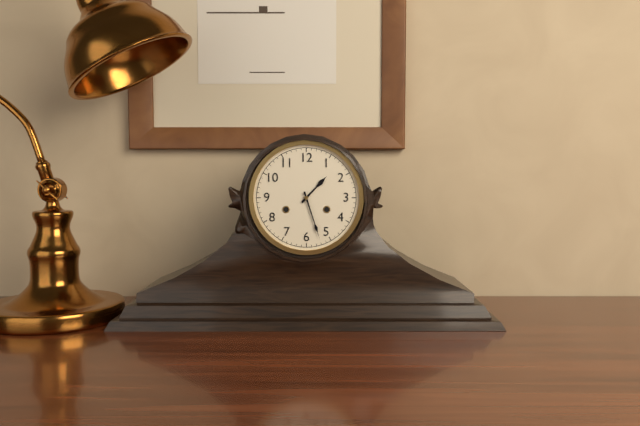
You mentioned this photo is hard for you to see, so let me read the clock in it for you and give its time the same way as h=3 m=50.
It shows h=1 m=27
